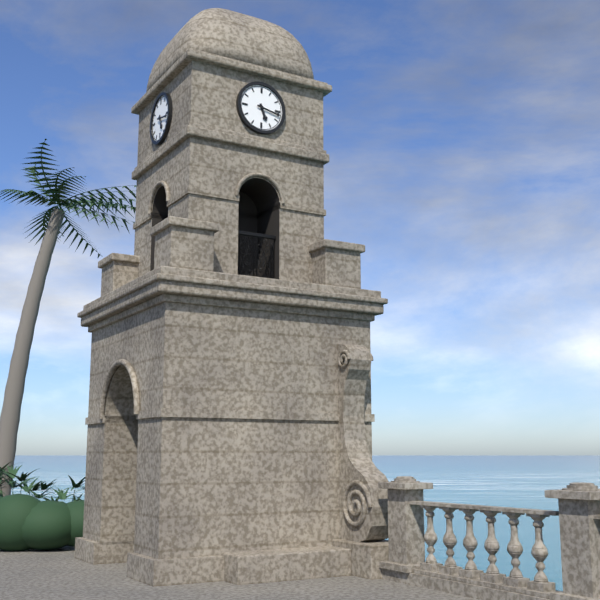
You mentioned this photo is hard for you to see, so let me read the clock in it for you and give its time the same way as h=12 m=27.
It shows h=5 m=17
